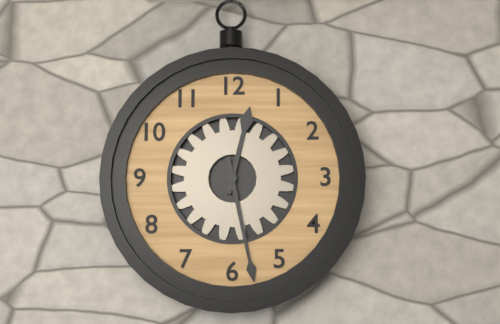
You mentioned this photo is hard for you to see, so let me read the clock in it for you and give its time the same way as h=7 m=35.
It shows h=12 m=28
